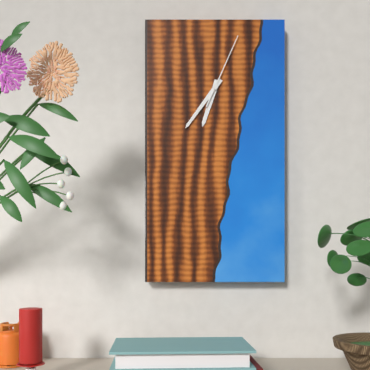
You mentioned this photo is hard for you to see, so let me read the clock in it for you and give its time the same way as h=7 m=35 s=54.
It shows h=6 m=36 s=4
